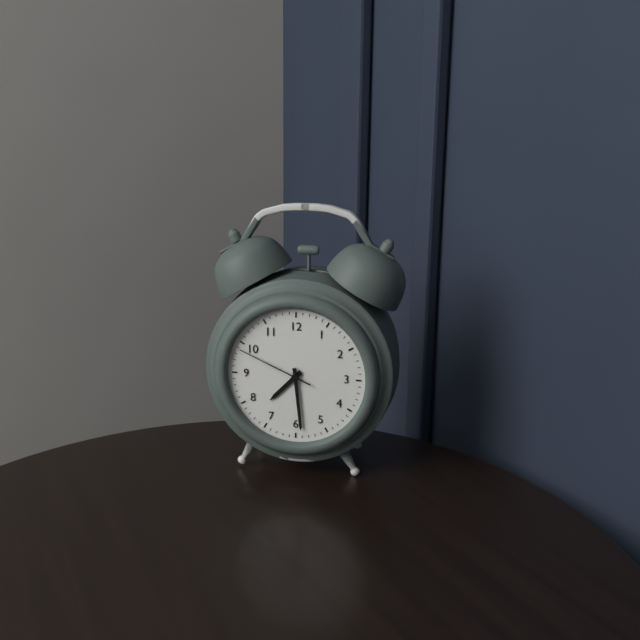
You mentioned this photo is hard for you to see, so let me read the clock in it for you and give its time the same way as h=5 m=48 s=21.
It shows h=7 m=29 s=49
